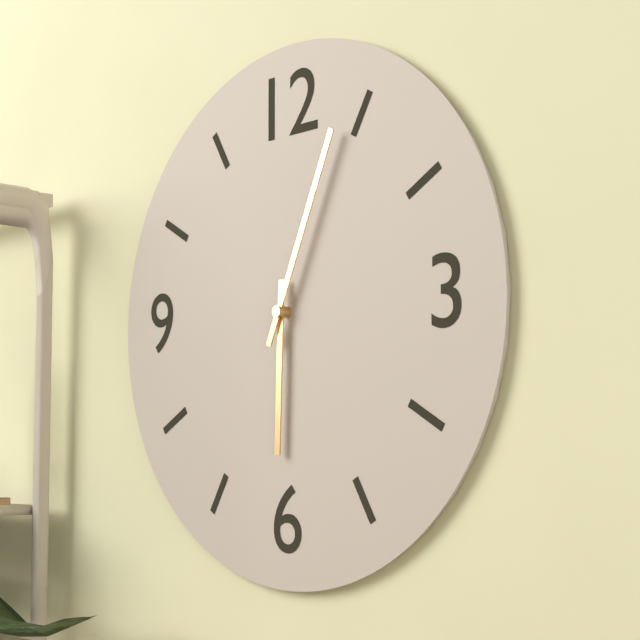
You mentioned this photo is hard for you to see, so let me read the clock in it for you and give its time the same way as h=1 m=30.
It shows h=6 m=4
